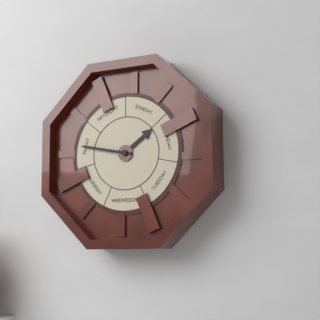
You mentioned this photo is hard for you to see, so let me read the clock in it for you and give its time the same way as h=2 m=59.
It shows h=1 m=47
